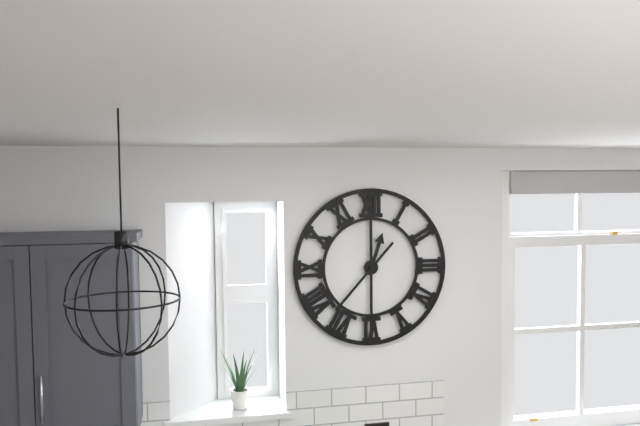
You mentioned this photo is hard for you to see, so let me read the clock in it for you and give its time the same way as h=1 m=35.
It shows h=12 m=37
